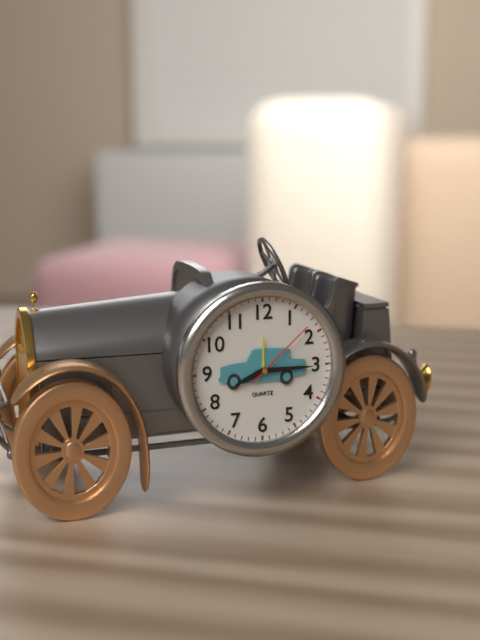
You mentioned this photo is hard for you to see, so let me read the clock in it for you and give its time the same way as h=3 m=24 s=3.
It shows h=8 m=15 s=8
